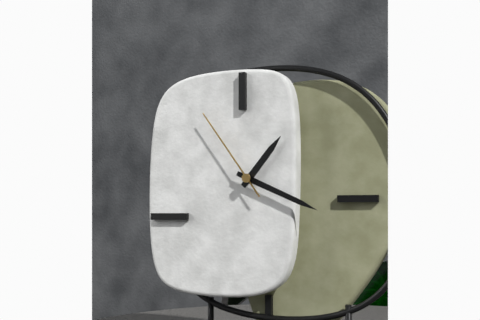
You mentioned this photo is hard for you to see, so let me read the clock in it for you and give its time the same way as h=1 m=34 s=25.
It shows h=1 m=19 s=54
